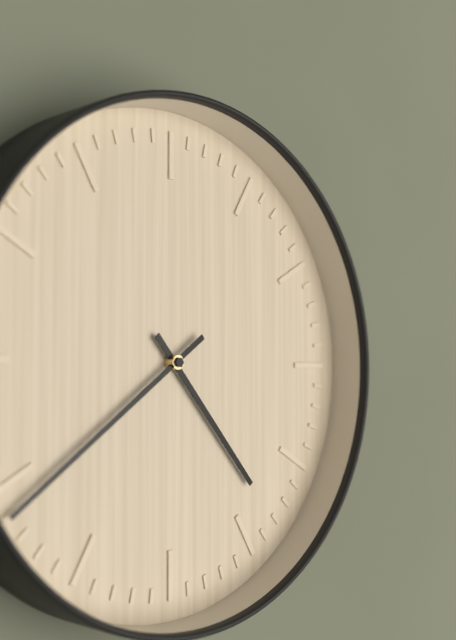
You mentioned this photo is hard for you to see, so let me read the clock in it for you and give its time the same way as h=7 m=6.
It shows h=4 m=39
